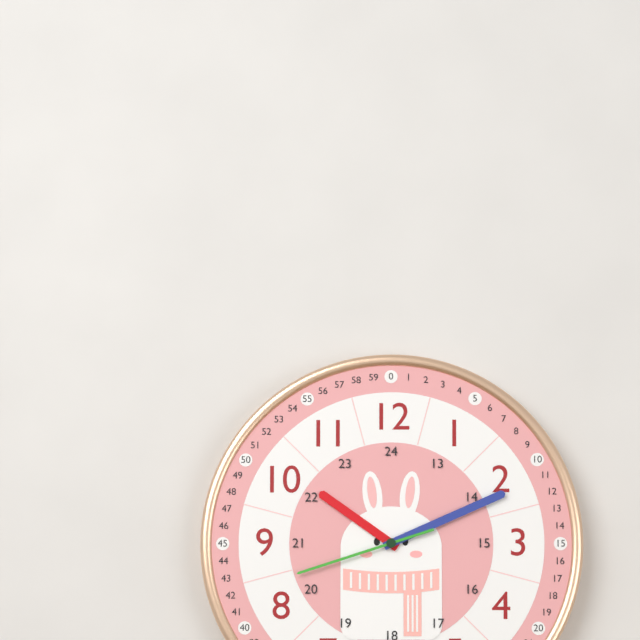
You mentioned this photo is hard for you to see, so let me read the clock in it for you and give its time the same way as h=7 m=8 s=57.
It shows h=10 m=11 s=42
